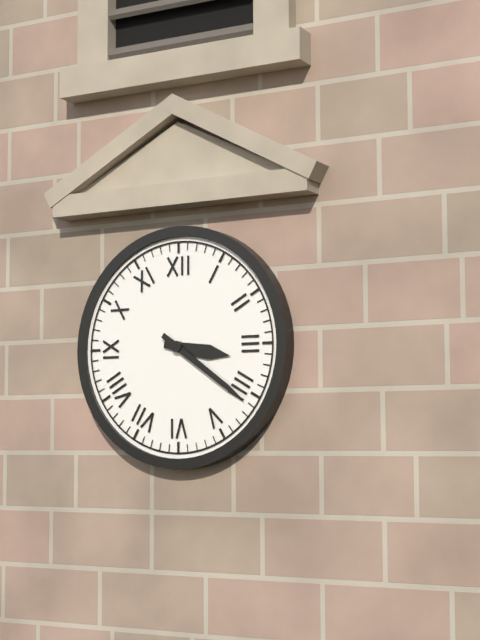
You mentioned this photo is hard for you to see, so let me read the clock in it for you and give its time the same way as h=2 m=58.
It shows h=3 m=21
